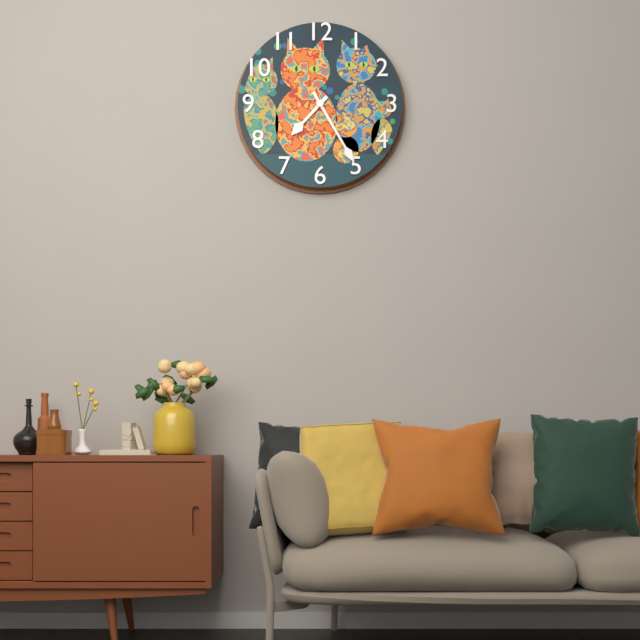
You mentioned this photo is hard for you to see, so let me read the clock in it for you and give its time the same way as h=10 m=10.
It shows h=7 m=25
